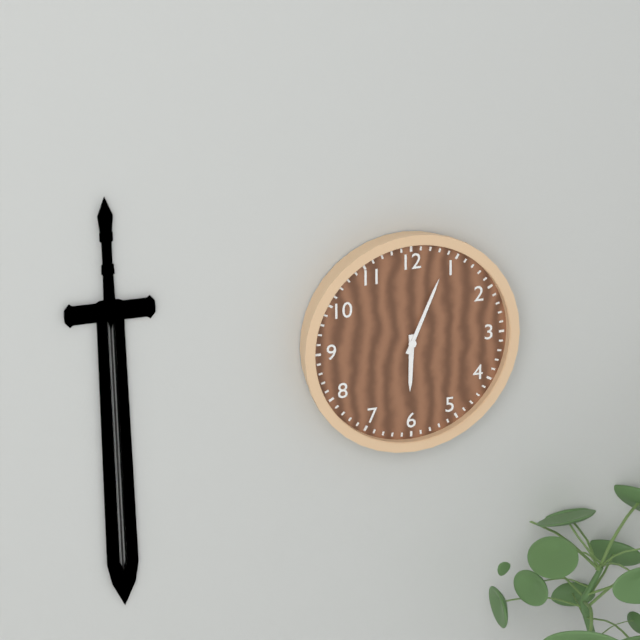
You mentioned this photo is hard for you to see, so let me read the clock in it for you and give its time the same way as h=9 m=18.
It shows h=6 m=4
